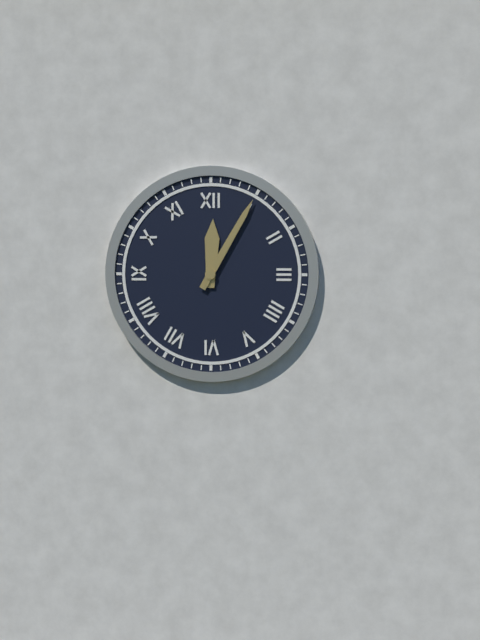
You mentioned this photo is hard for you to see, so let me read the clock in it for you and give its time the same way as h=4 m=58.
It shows h=12 m=5
